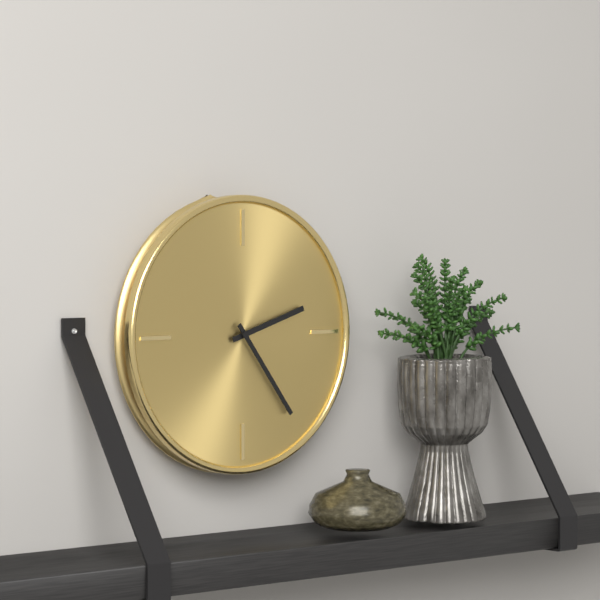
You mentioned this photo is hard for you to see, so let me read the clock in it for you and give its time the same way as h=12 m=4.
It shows h=2 m=24
